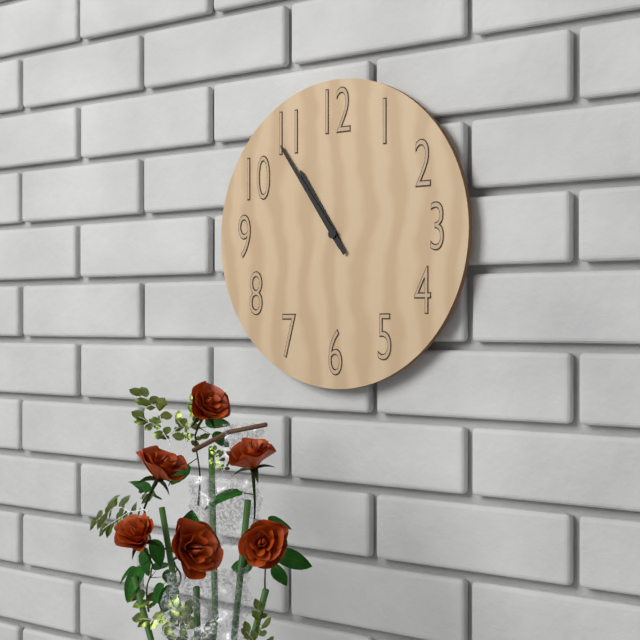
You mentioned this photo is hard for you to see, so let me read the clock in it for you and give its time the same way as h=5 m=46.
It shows h=10 m=54
